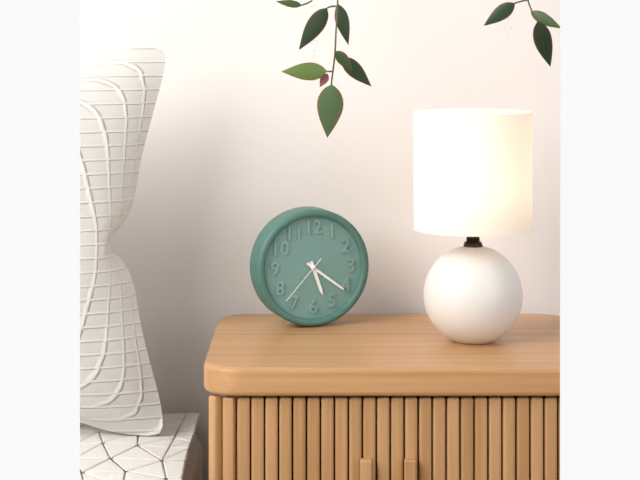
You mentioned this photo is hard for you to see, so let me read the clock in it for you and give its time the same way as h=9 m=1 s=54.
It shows h=5 m=21 s=37
